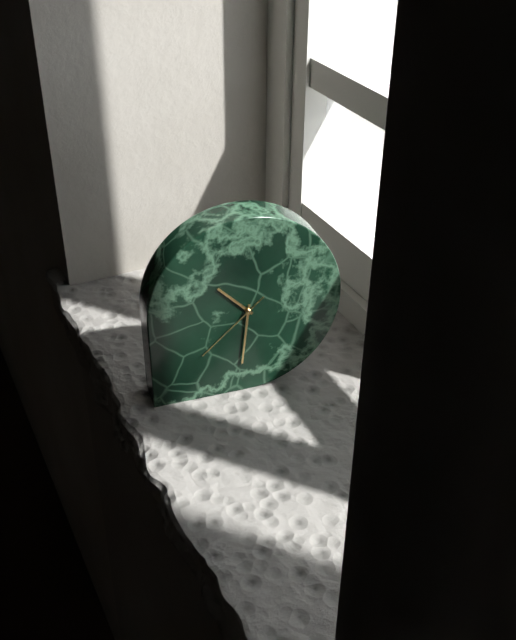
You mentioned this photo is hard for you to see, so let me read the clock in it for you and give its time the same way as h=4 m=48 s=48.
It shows h=10 m=31 s=38
